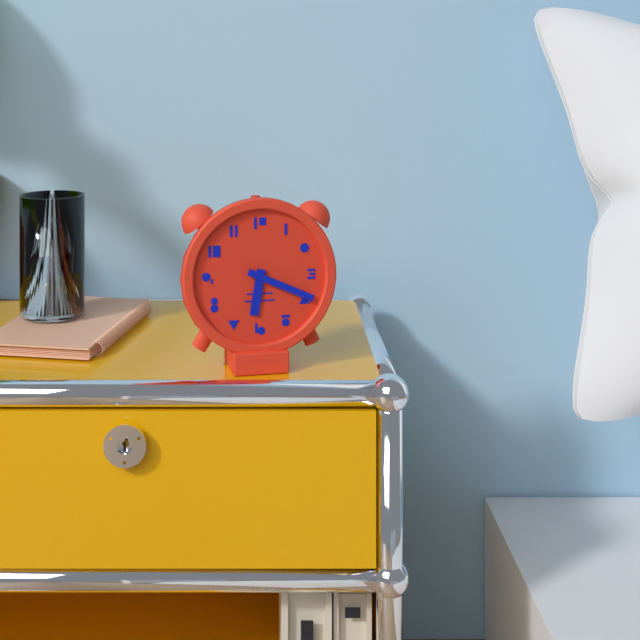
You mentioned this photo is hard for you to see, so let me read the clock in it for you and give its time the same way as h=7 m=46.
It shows h=6 m=19
